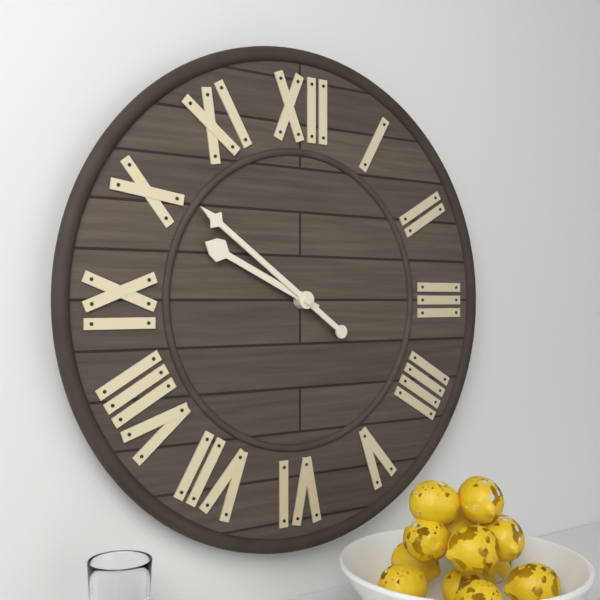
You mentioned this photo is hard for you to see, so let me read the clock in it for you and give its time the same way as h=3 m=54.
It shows h=9 m=51
